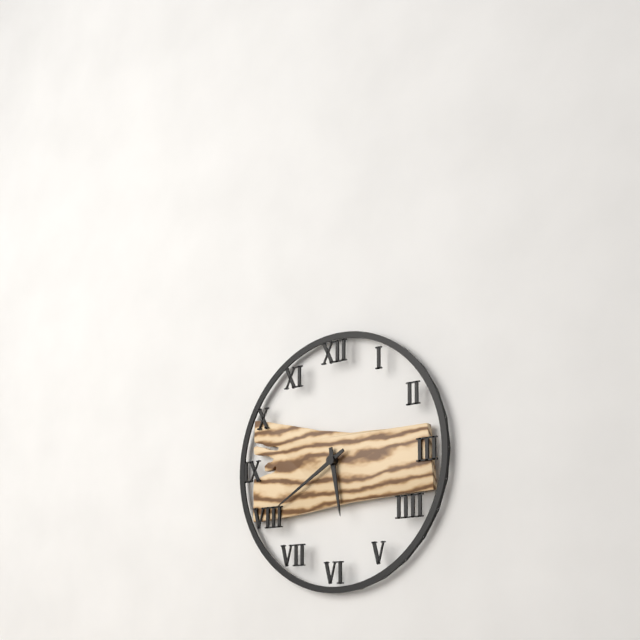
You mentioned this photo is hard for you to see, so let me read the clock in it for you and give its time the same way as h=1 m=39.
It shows h=5 m=40
